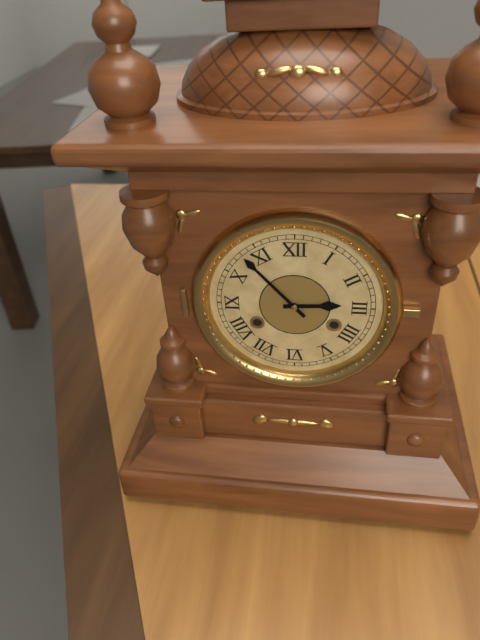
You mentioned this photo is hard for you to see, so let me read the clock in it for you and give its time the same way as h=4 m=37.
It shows h=2 m=53
